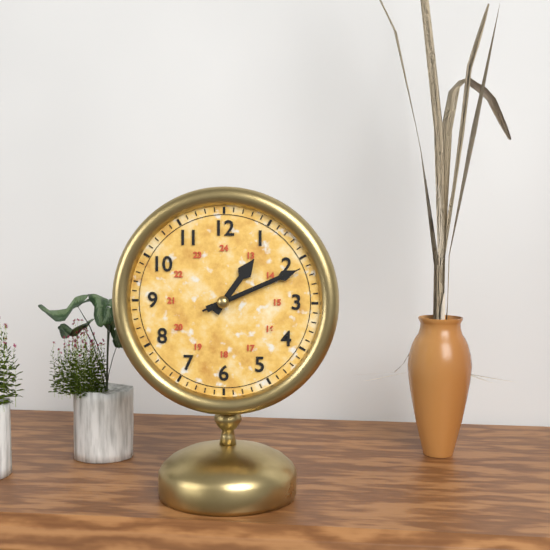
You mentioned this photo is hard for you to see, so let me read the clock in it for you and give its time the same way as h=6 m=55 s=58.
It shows h=1 m=11 s=11
